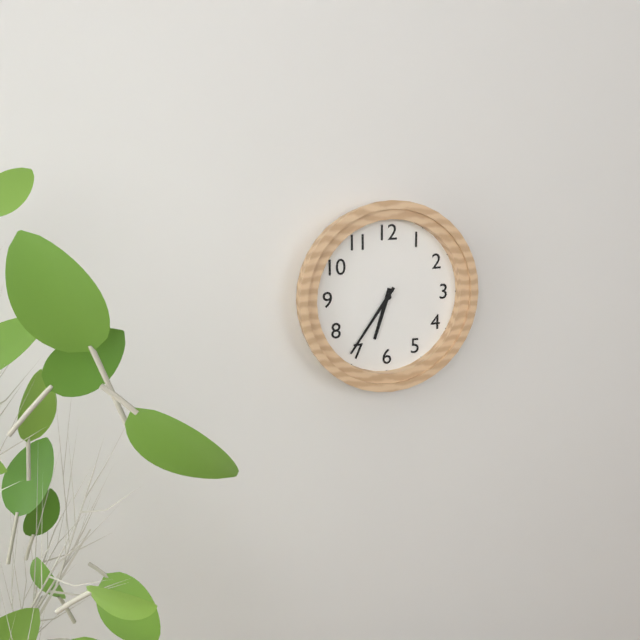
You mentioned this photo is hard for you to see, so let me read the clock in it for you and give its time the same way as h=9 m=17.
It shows h=6 m=36
